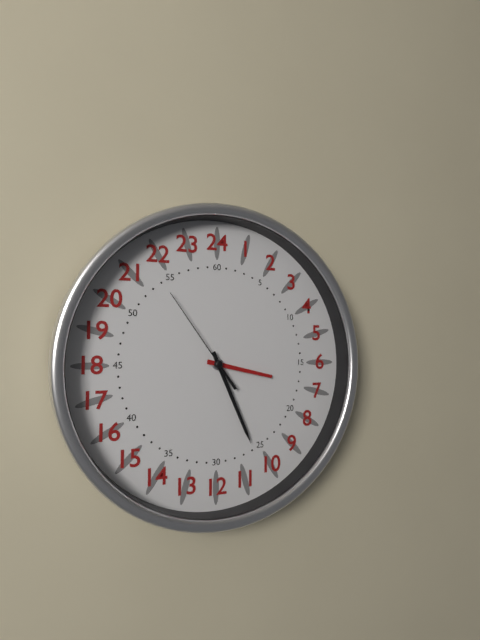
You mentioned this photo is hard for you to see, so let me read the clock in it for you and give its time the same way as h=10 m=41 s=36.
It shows h=3 m=26 s=54
